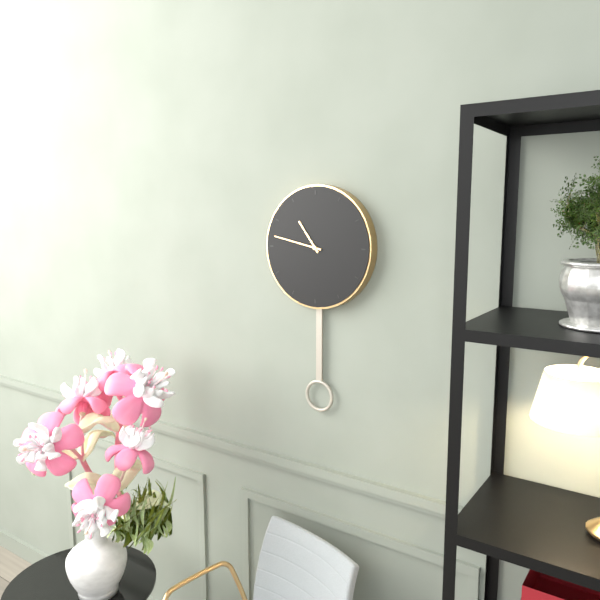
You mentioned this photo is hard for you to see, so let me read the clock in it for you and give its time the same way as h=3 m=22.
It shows h=10 m=47
